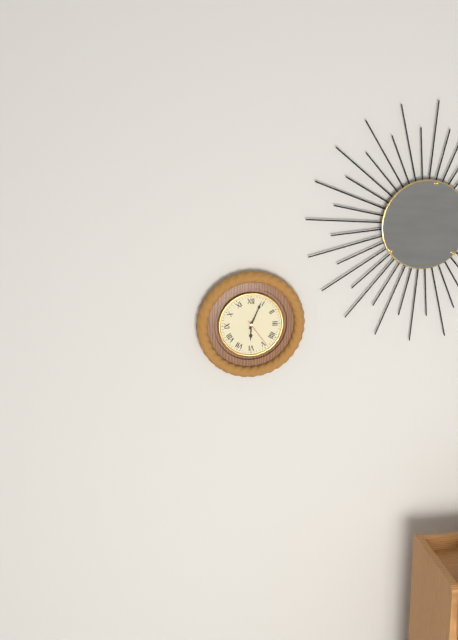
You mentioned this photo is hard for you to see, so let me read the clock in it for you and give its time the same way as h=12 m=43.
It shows h=6 m=4
